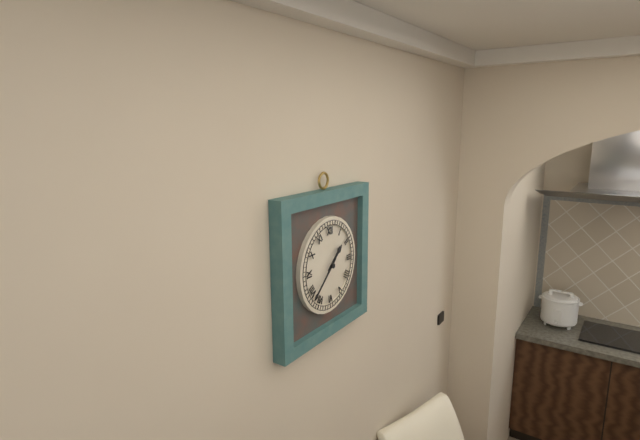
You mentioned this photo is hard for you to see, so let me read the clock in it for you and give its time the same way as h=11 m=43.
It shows h=1 m=38
